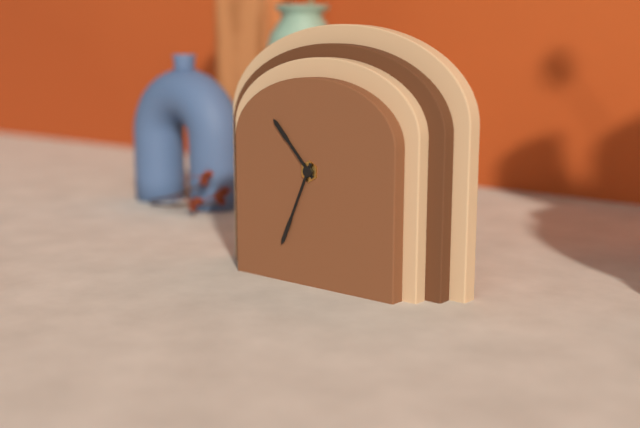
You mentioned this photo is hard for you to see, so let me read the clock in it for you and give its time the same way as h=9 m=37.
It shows h=10 m=34
